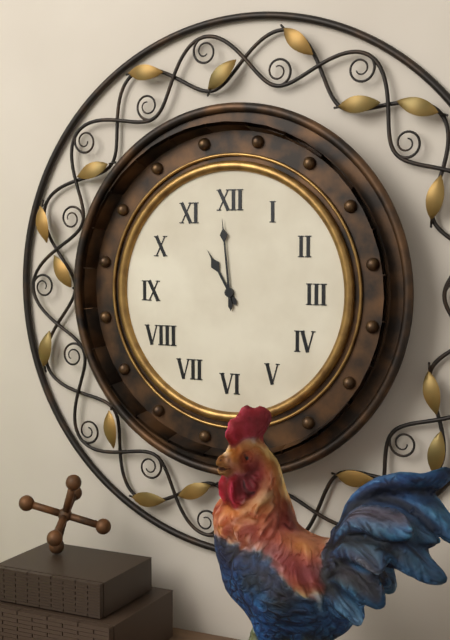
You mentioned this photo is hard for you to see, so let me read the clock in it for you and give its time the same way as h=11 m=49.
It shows h=10 m=59
